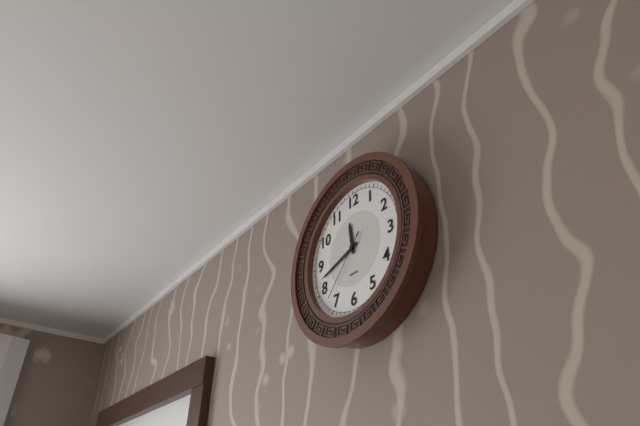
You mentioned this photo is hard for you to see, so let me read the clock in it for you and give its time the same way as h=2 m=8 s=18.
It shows h=11 m=42 s=37
